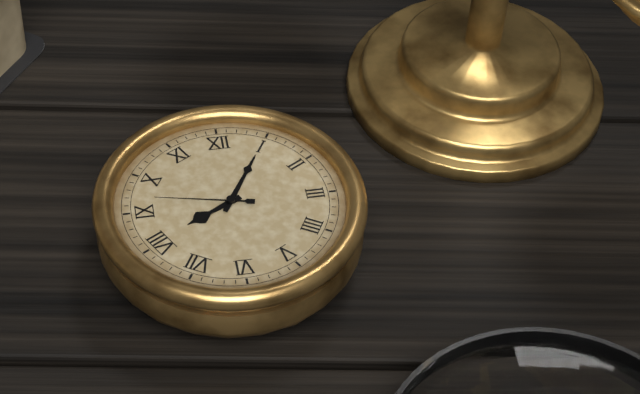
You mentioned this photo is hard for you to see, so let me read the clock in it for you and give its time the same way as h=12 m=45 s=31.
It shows h=8 m=5 s=47
